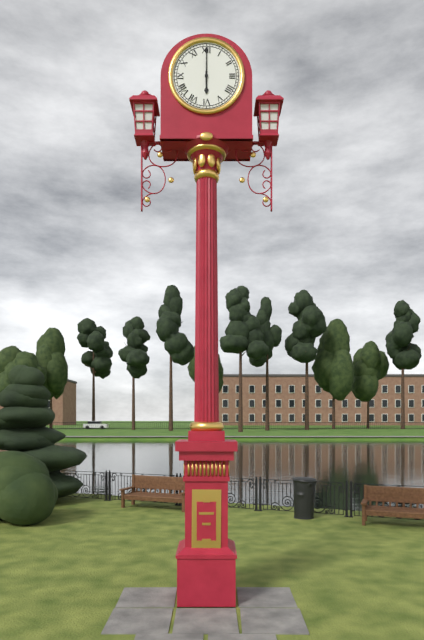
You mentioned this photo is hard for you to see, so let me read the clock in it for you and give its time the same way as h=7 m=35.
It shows h=6 m=0
